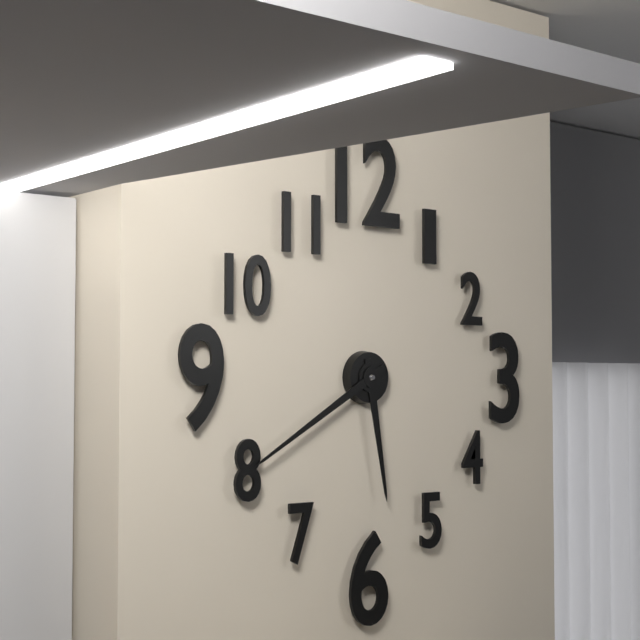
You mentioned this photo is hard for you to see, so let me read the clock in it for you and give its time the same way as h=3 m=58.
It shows h=5 m=40
